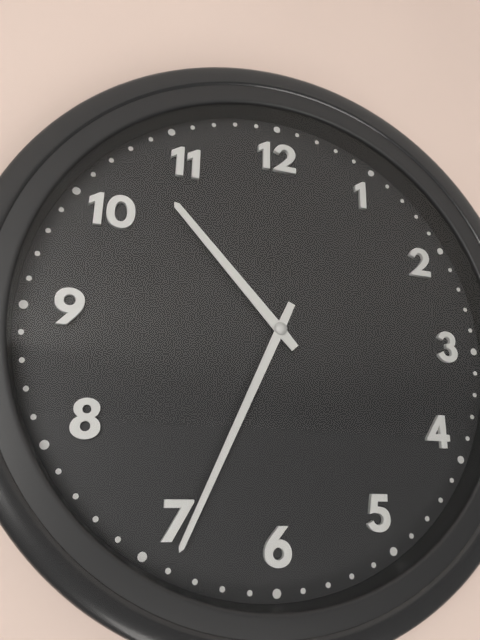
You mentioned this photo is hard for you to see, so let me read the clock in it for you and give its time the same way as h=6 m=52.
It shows h=10 m=34
